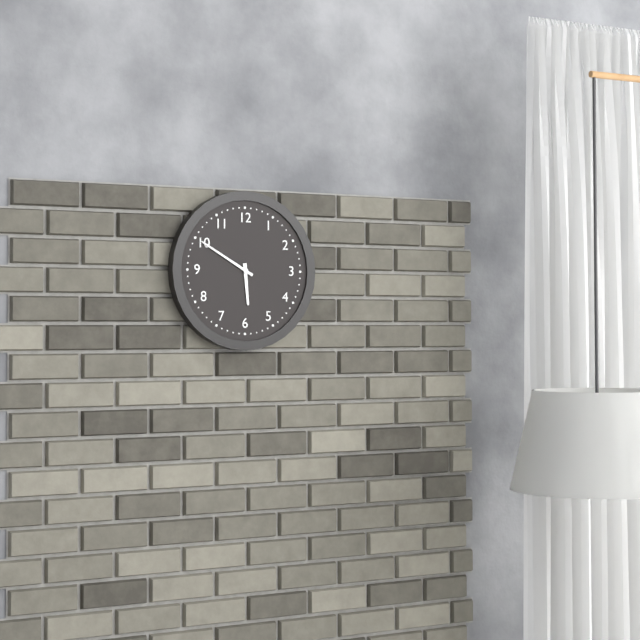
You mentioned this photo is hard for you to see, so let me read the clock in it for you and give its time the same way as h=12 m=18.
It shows h=5 m=50
